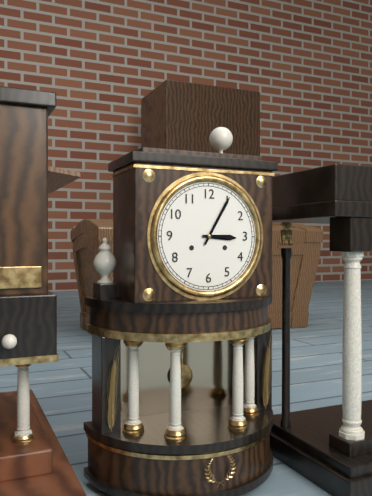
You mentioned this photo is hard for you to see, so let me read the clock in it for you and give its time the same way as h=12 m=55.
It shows h=3 m=5
